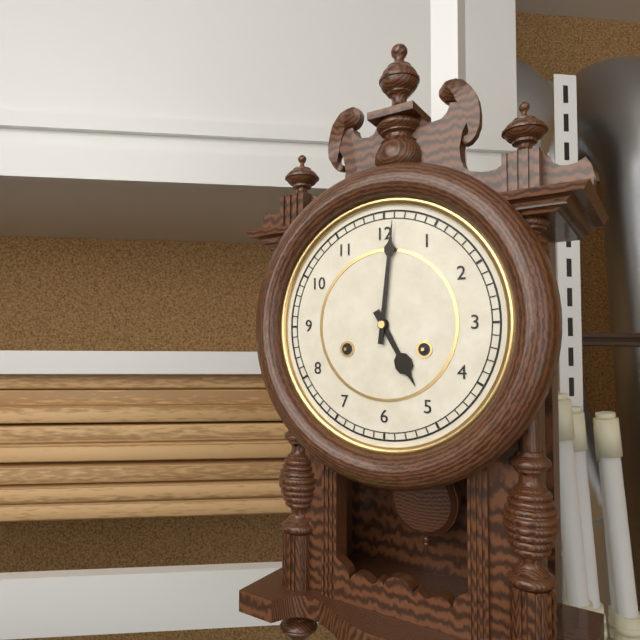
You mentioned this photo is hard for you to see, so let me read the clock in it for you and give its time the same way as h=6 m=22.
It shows h=5 m=1
